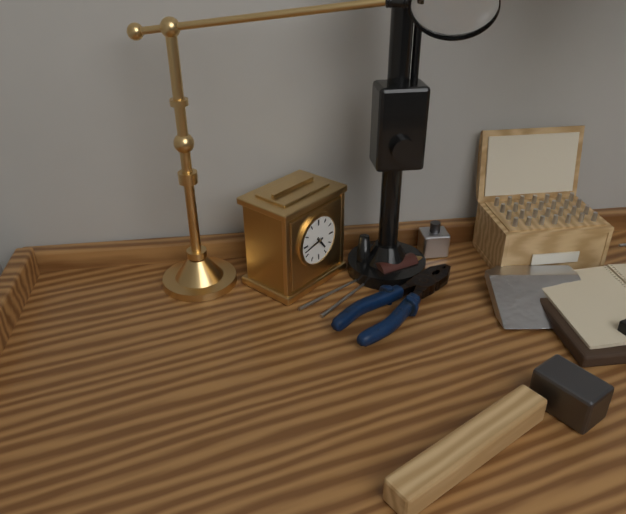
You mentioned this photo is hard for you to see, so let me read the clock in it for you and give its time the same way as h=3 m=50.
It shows h=4 m=43
